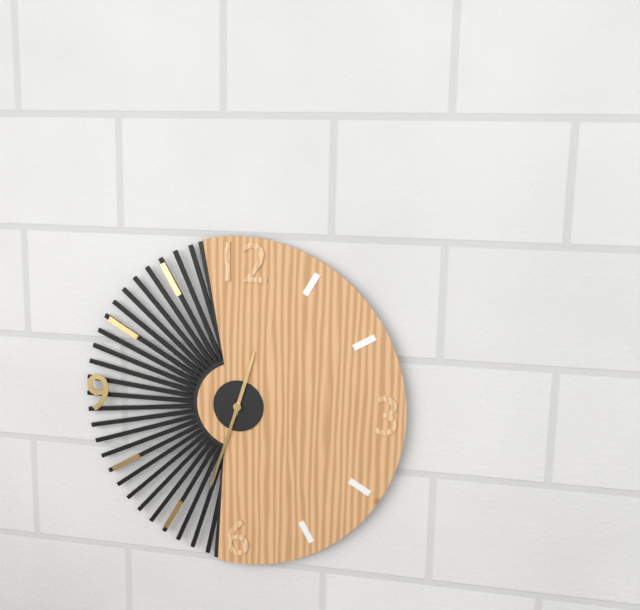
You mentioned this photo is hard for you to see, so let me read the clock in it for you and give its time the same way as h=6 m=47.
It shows h=12 m=33
